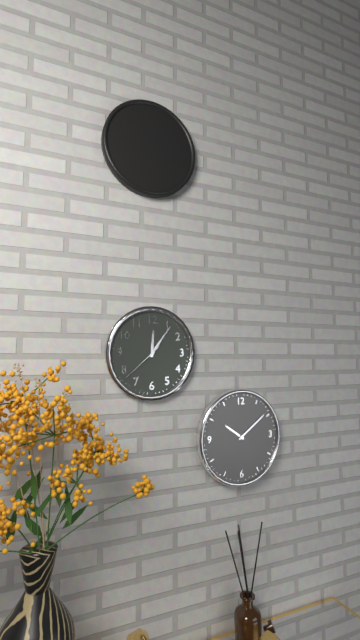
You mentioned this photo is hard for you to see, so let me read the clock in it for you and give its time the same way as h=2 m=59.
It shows h=12 m=6
